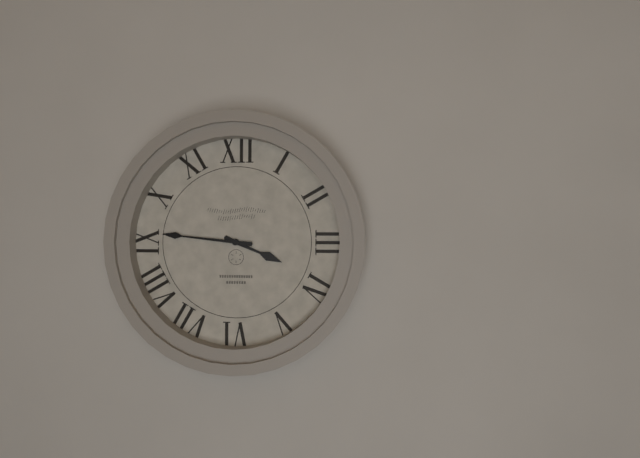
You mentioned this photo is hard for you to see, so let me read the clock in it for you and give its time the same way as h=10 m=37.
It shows h=3 m=46
